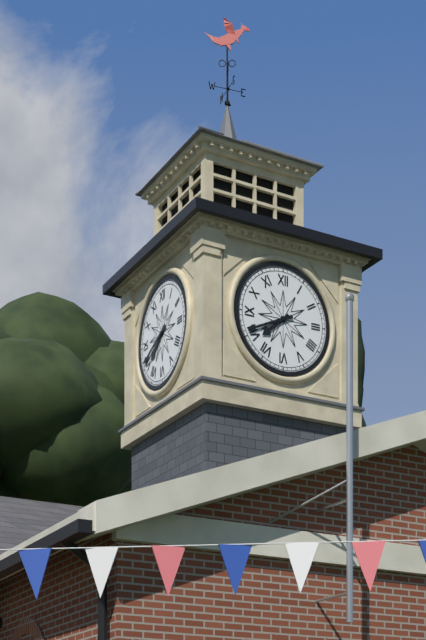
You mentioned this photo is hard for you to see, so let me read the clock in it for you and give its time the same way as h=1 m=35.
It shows h=7 m=41
